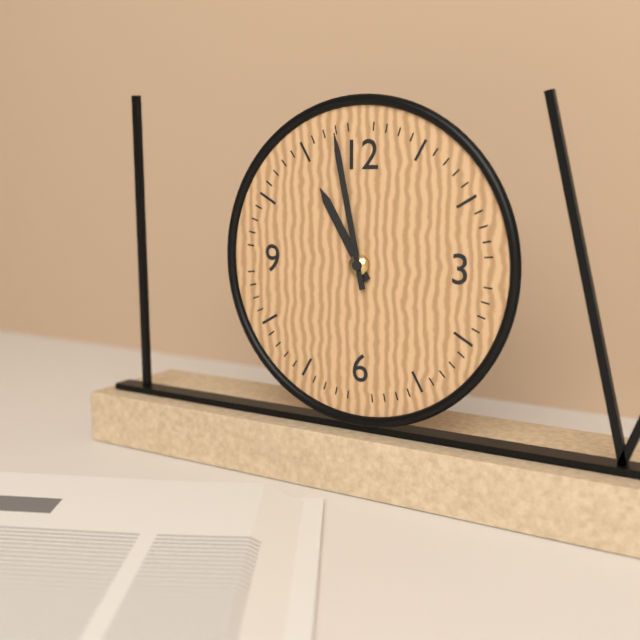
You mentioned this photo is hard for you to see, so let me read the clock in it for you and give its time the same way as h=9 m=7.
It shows h=10 m=58
